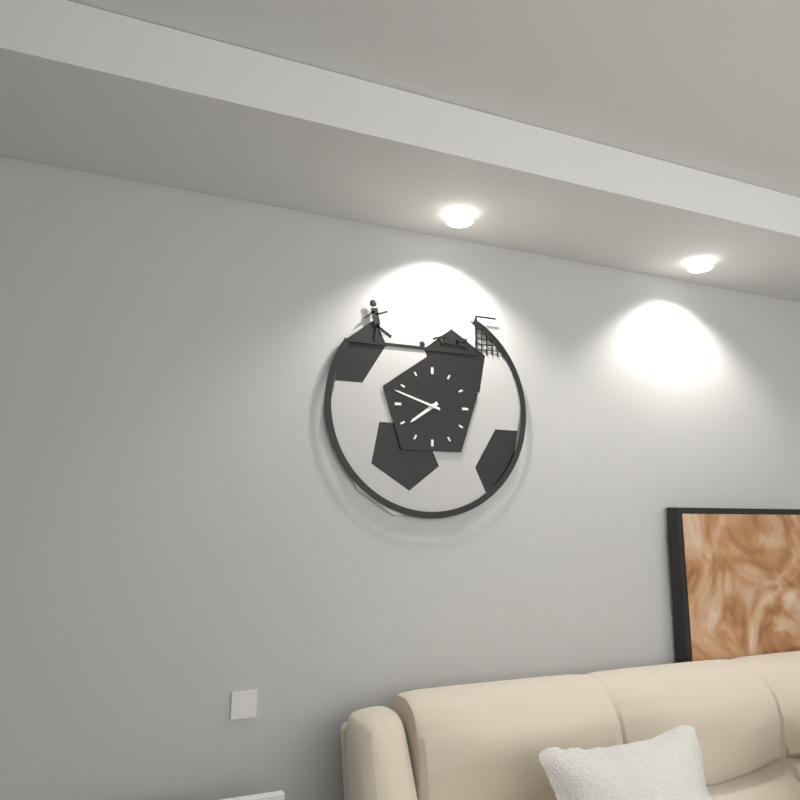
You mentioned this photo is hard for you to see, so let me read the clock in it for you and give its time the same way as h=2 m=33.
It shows h=7 m=48
